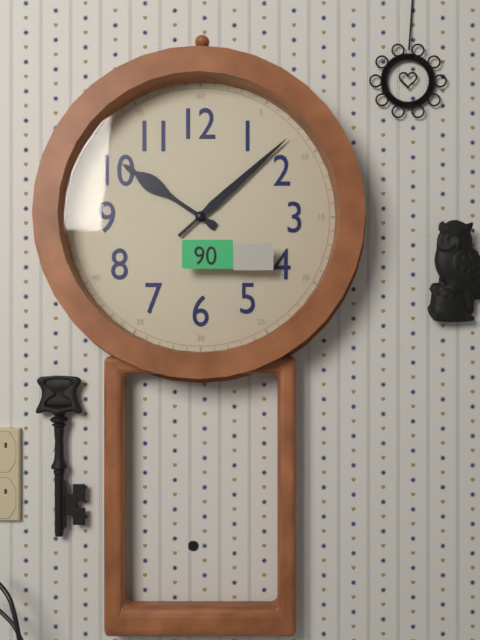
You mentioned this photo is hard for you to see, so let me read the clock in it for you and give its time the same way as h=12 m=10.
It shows h=10 m=8
